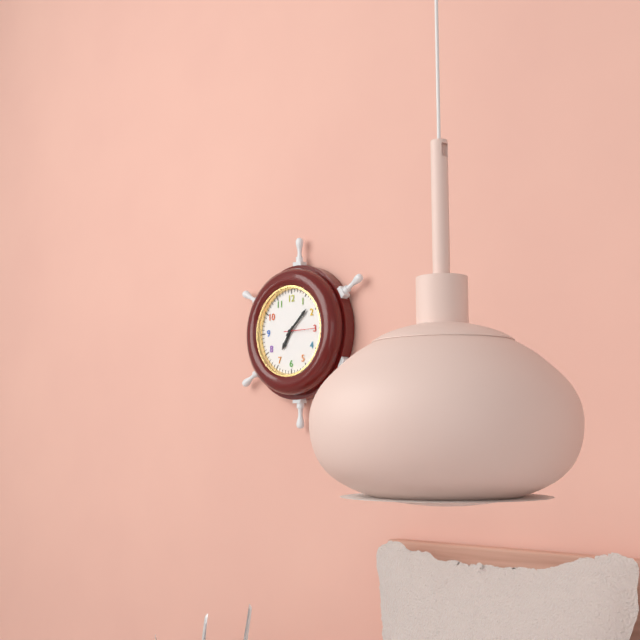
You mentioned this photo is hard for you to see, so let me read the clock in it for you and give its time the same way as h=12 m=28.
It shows h=7 m=8
